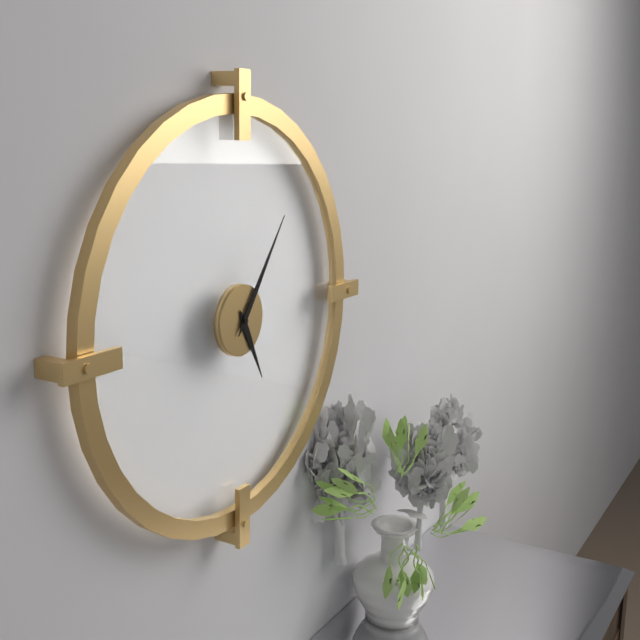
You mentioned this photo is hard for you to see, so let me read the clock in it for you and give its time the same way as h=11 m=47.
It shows h=5 m=6
